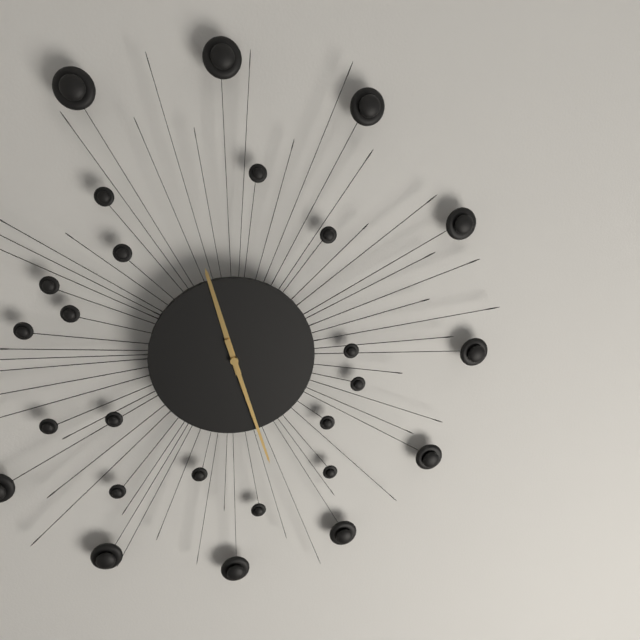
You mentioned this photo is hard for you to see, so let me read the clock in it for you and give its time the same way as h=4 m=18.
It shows h=11 m=27
